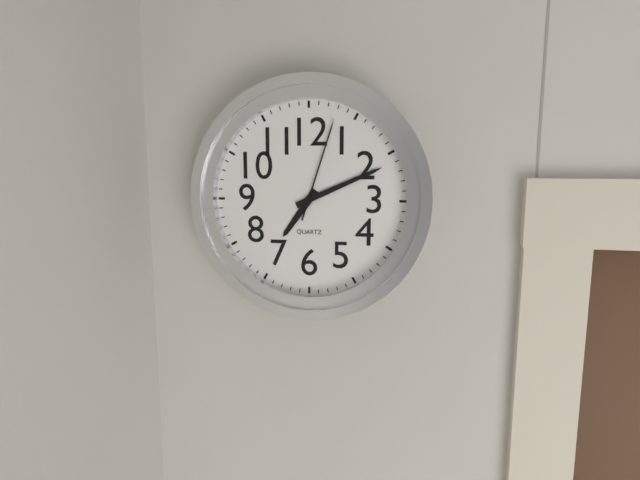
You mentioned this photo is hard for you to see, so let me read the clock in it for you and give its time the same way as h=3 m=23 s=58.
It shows h=7 m=11 s=3
